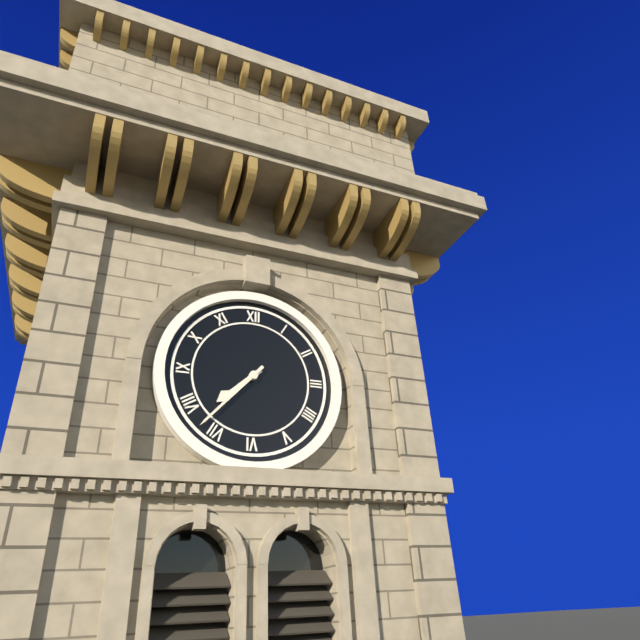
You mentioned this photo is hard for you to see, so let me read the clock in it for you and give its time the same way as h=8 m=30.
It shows h=7 m=37
